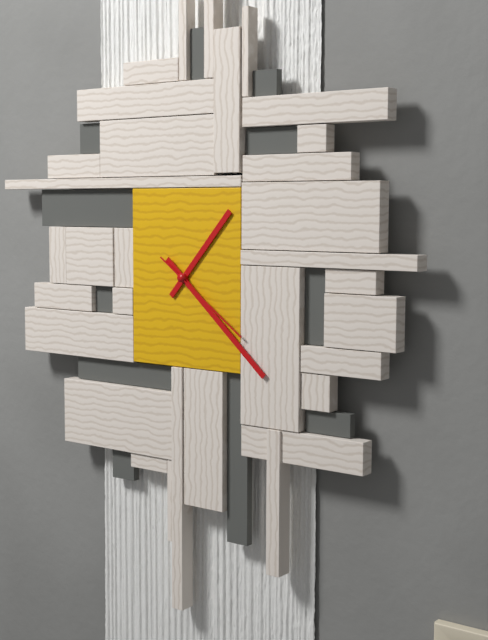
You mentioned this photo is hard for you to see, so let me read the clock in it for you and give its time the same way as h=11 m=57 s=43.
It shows h=1 m=22 s=21
